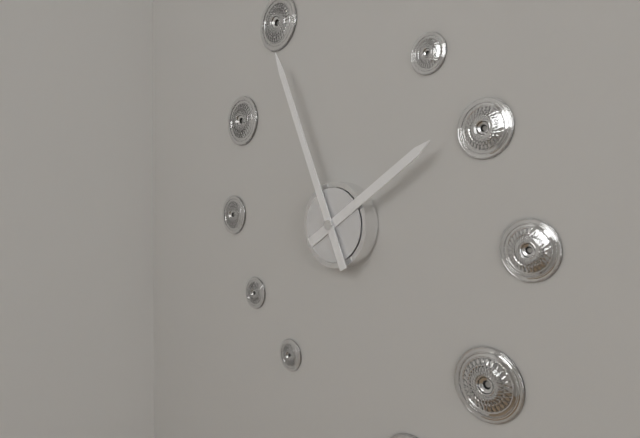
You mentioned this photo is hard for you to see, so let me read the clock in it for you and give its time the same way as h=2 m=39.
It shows h=1 m=56
